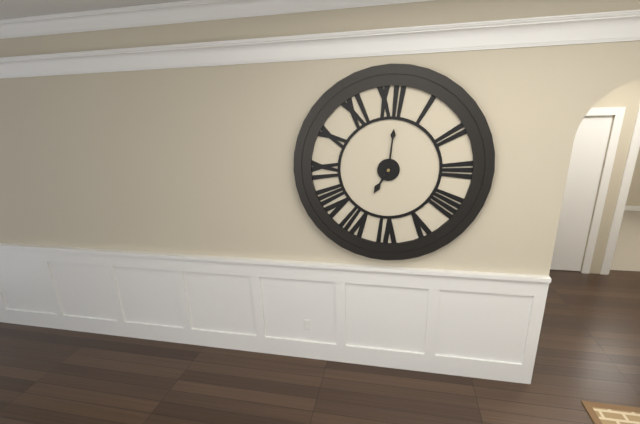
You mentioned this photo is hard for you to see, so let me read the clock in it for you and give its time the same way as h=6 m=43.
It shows h=7 m=1
